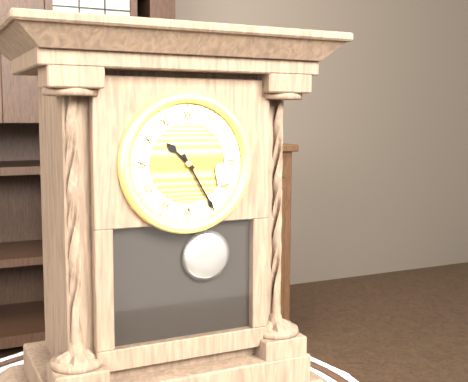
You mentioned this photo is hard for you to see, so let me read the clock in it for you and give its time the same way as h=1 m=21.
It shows h=10 m=25
